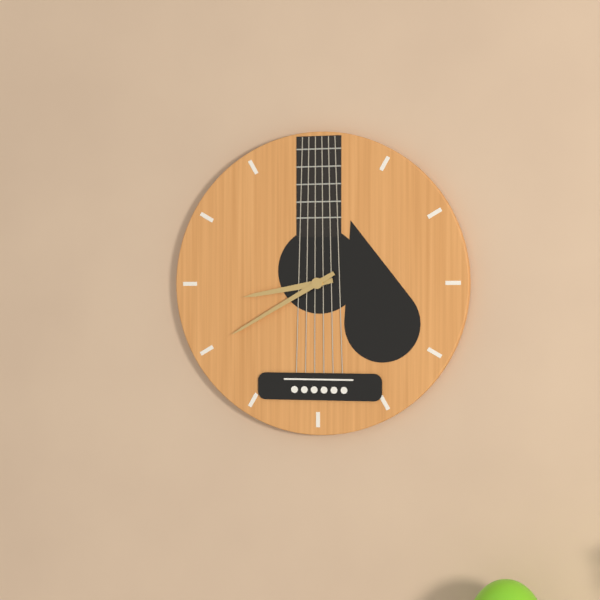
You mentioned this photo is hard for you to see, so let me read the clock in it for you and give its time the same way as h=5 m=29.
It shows h=8 m=40
